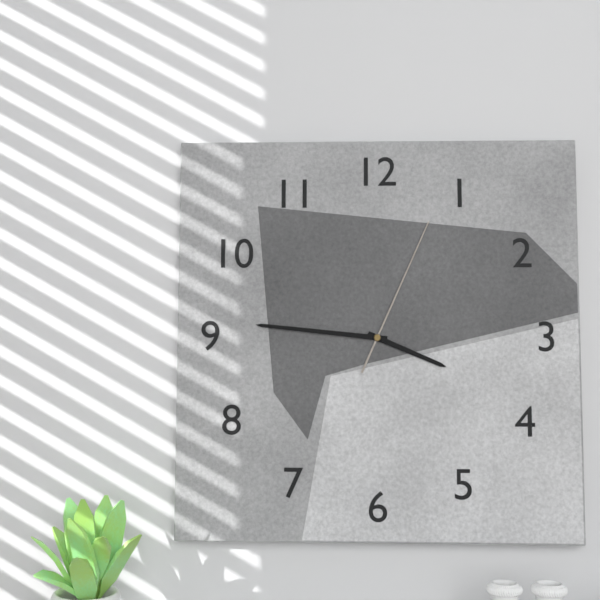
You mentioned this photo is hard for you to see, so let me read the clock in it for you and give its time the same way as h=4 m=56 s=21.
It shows h=3 m=46 s=4
